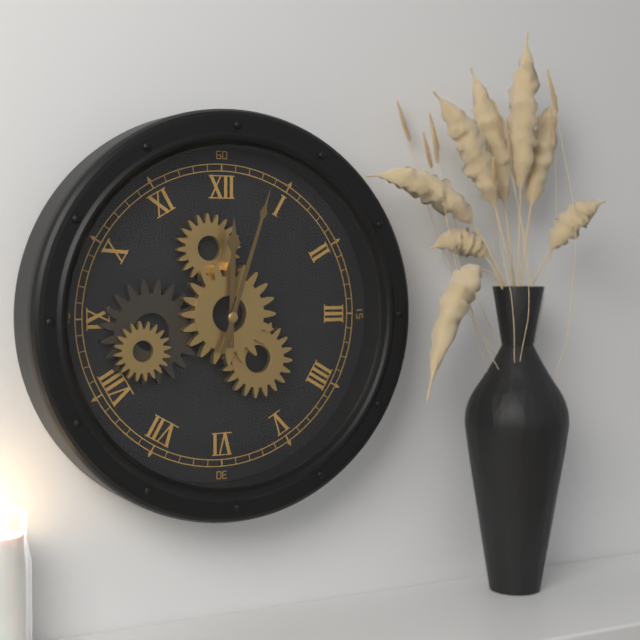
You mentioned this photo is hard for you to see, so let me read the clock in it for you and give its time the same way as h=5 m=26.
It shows h=12 m=3
